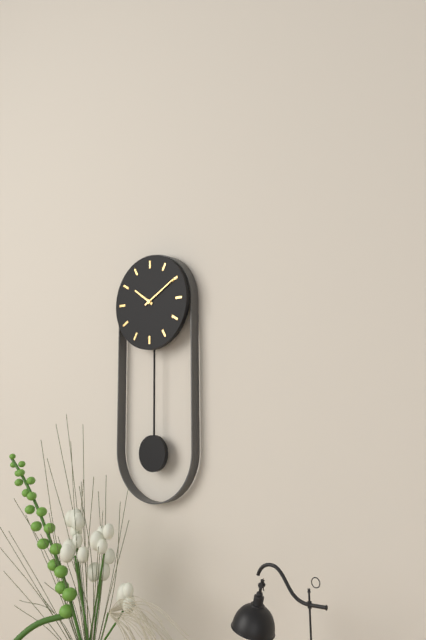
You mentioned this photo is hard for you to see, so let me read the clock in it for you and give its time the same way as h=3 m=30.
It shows h=10 m=10
